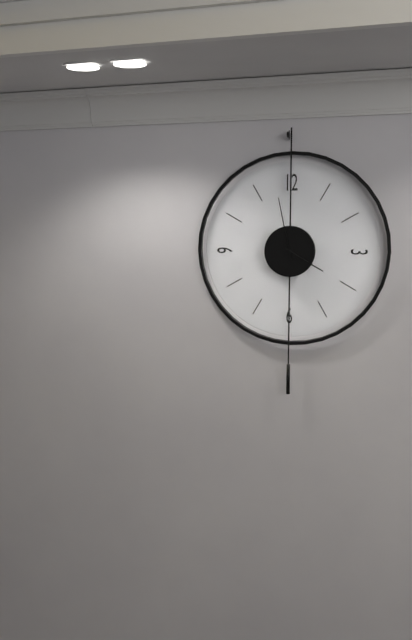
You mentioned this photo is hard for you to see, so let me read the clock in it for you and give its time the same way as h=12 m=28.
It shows h=3 m=58
